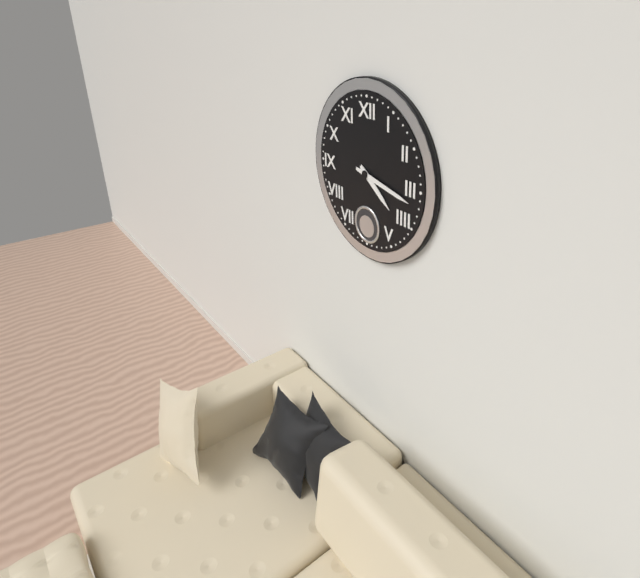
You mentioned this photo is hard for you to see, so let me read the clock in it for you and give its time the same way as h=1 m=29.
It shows h=4 m=17
